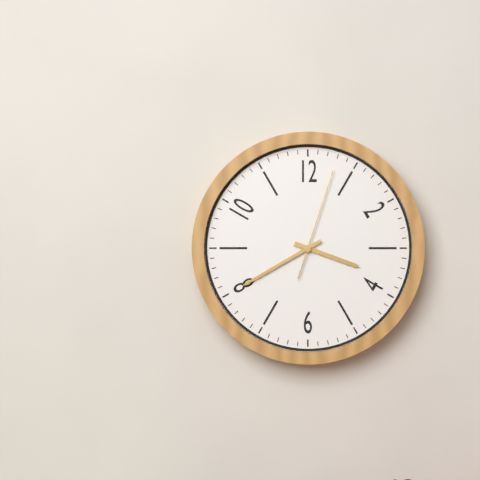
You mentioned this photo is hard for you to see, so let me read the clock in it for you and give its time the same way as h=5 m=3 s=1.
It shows h=3 m=40 s=3
